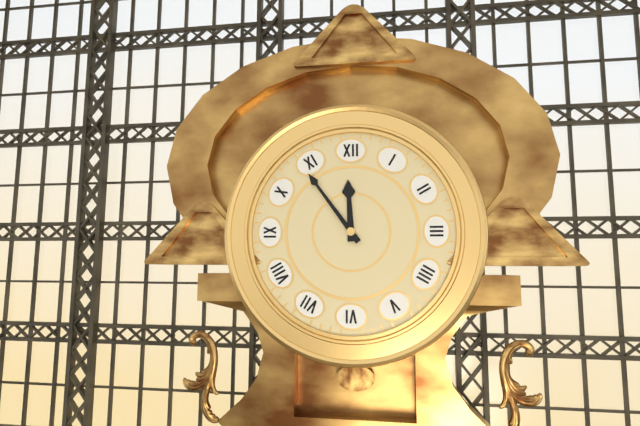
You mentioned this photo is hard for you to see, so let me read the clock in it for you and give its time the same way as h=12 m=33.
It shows h=11 m=54
